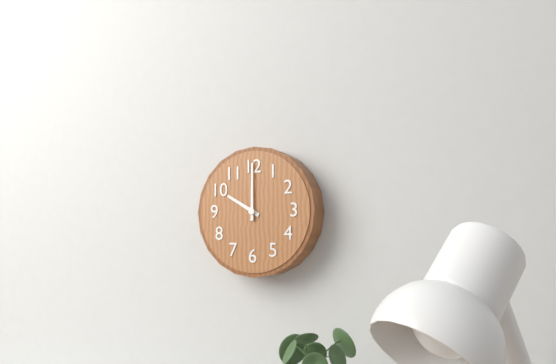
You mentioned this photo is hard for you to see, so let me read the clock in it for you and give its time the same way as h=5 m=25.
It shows h=10 m=0
